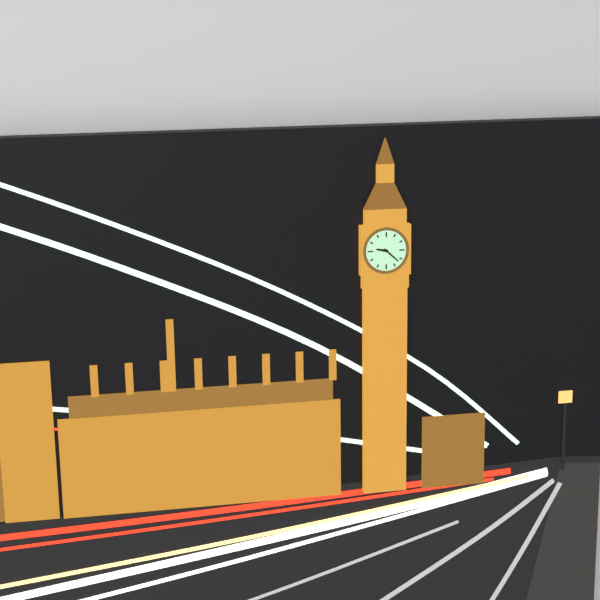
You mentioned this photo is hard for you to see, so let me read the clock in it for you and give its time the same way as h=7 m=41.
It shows h=9 m=22
